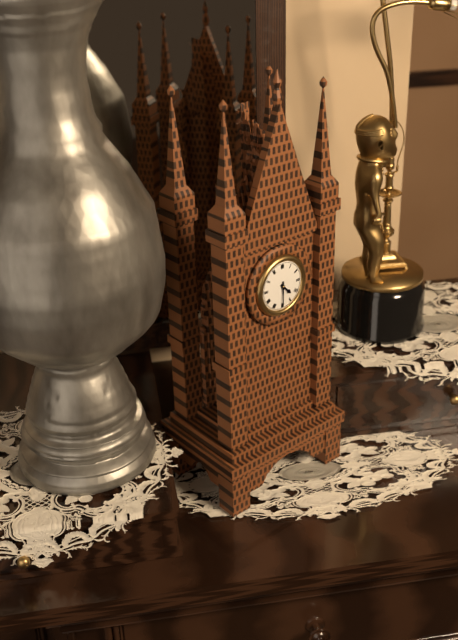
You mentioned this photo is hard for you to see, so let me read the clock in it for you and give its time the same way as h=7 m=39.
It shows h=4 m=30
